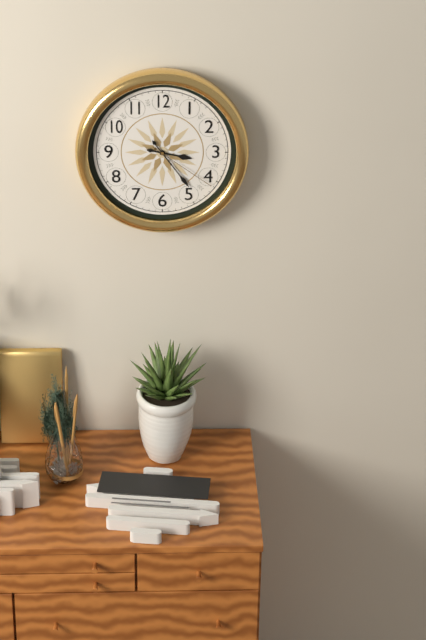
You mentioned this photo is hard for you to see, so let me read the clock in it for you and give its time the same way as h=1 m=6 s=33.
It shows h=3 m=24 s=21
